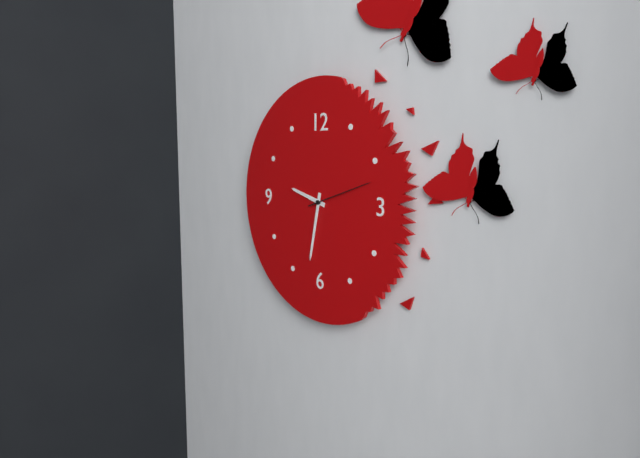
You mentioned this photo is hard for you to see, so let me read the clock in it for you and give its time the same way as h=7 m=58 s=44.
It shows h=9 m=32 s=12
